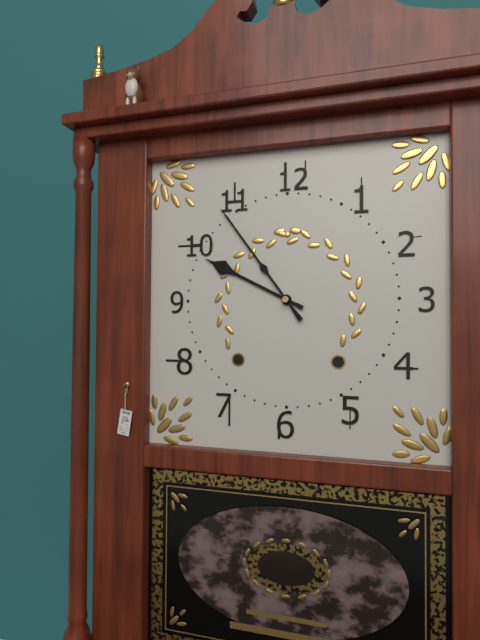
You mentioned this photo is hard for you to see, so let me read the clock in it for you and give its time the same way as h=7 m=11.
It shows h=9 m=54
